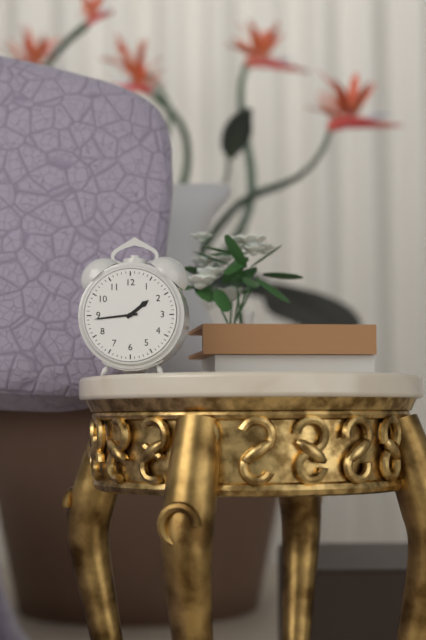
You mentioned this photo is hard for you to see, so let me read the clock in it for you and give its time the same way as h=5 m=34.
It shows h=1 m=44
